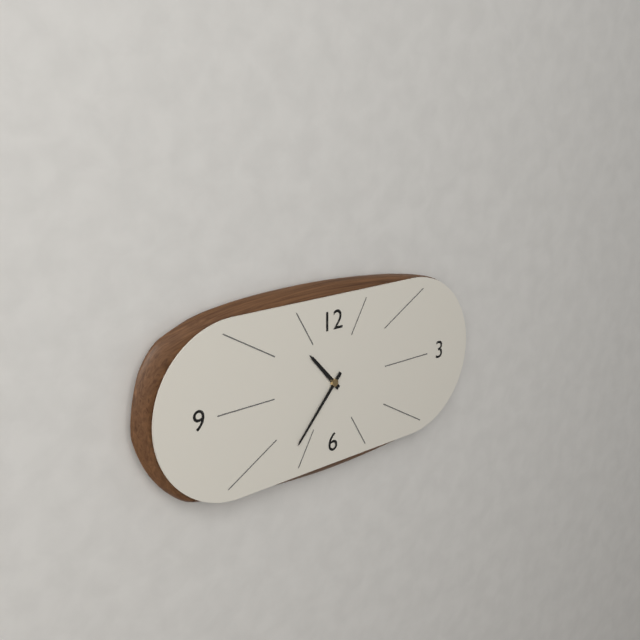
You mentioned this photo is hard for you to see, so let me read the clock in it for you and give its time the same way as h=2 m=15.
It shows h=10 m=37
